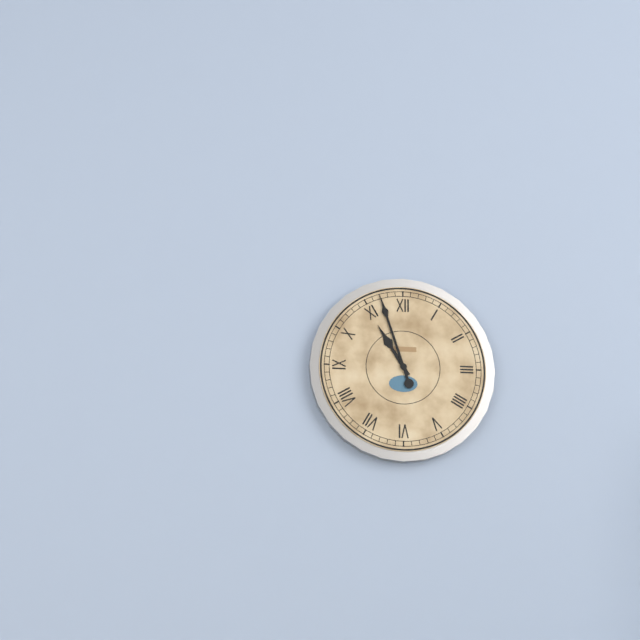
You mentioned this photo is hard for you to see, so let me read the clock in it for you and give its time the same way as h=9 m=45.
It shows h=10 m=57
